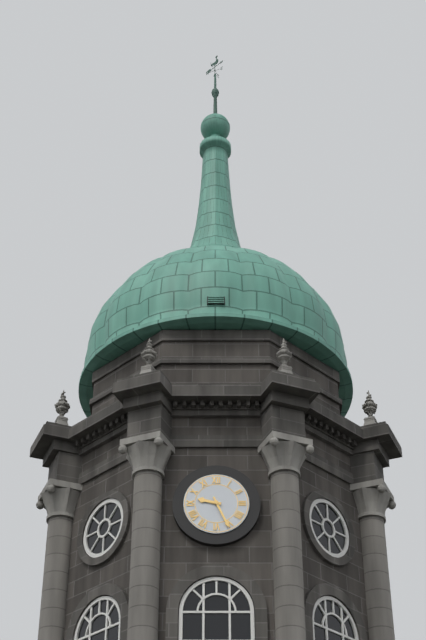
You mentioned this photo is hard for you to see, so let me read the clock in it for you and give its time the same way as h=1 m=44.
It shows h=9 m=26
